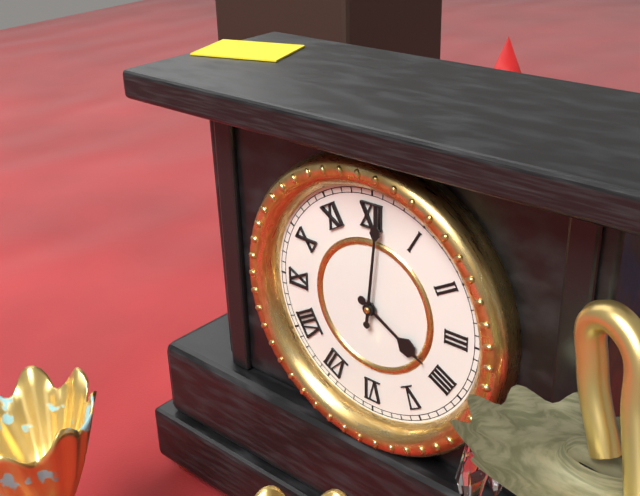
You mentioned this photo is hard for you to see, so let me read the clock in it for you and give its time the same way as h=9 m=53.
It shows h=4 m=1
